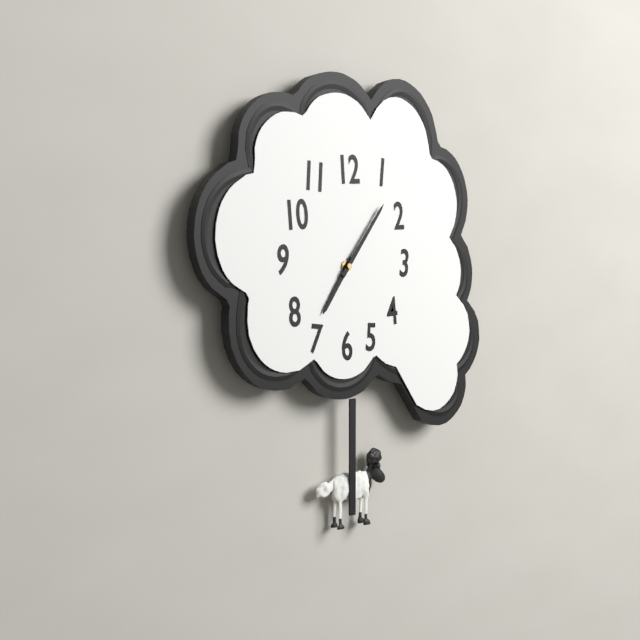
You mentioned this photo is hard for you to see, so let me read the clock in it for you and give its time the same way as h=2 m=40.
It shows h=7 m=6
